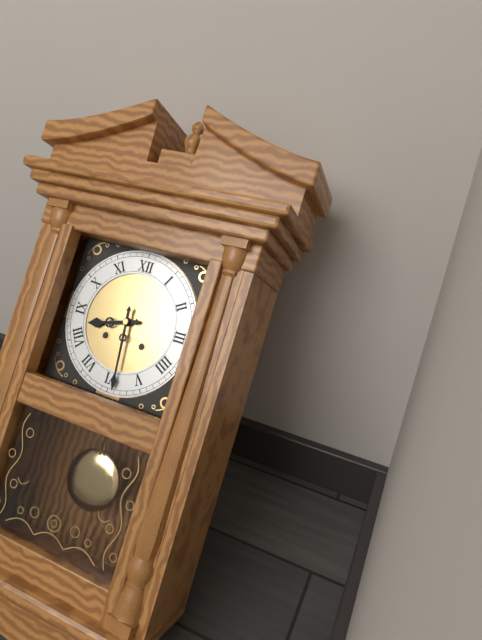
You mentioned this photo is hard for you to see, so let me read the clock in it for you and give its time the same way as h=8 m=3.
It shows h=8 m=29
